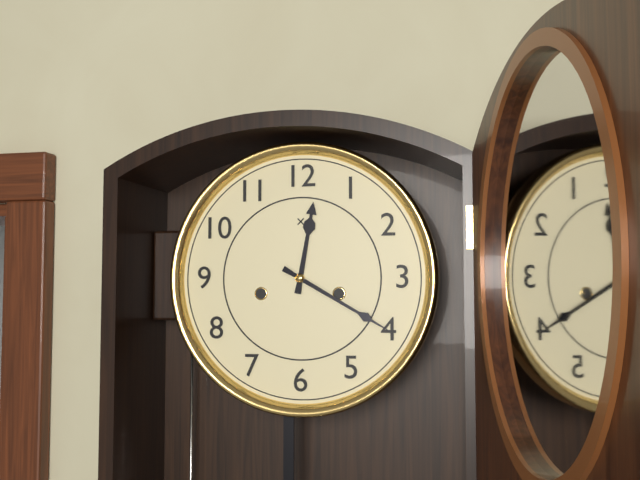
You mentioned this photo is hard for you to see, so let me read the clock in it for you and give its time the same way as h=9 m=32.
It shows h=12 m=20
